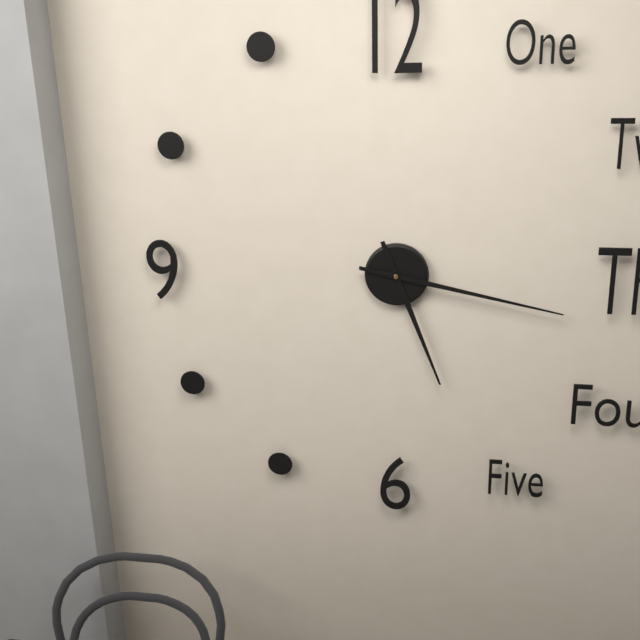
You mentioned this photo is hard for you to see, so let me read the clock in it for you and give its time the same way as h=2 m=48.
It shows h=5 m=17
